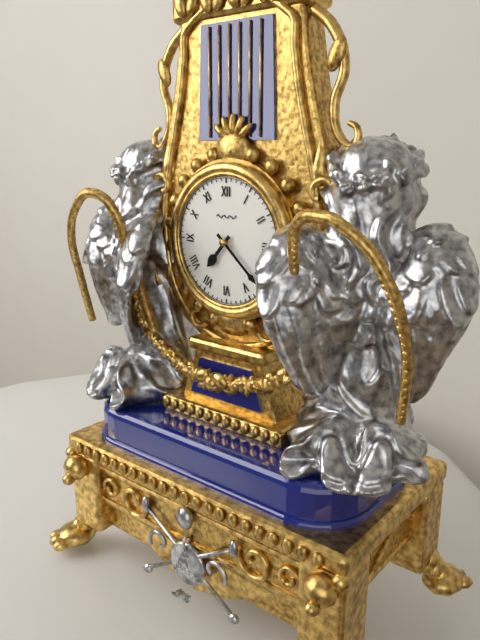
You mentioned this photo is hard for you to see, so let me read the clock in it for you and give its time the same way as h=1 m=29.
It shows h=7 m=22
